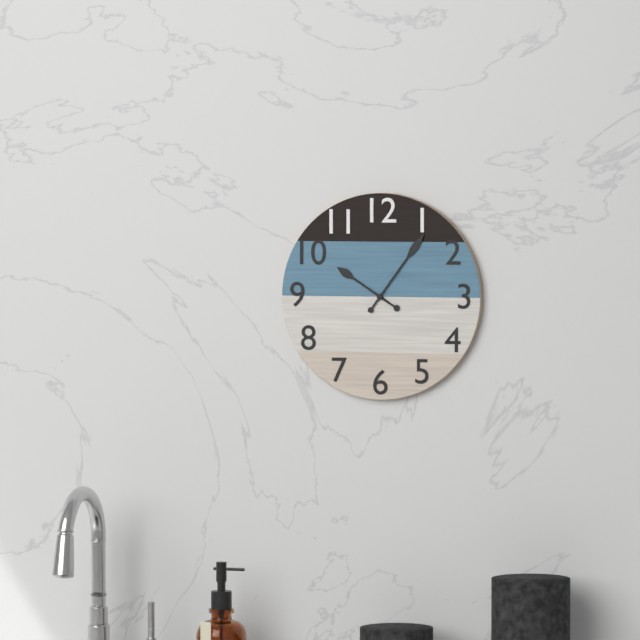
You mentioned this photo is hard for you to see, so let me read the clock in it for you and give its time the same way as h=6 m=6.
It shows h=10 m=6
